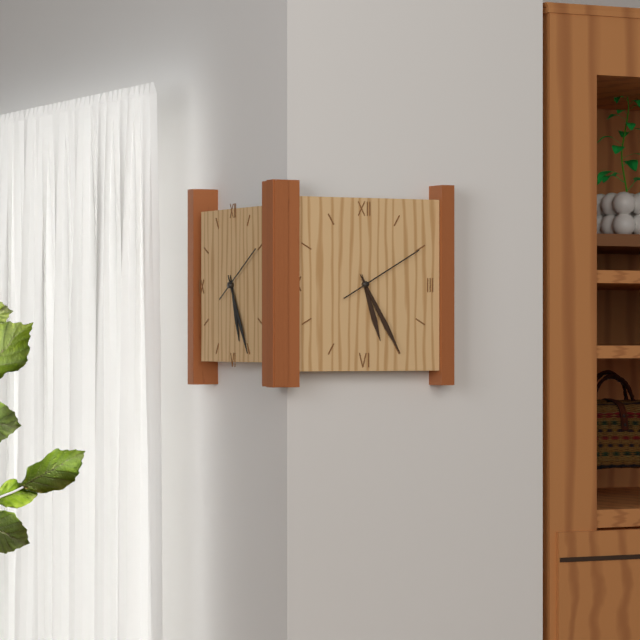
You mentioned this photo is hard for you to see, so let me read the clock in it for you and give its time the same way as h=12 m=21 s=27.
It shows h=5 m=25 s=10
